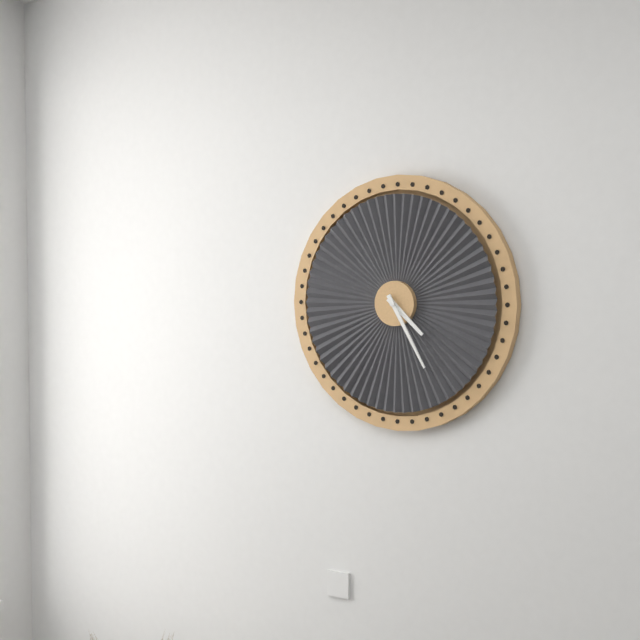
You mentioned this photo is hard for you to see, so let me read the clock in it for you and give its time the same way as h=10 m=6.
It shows h=4 m=25
